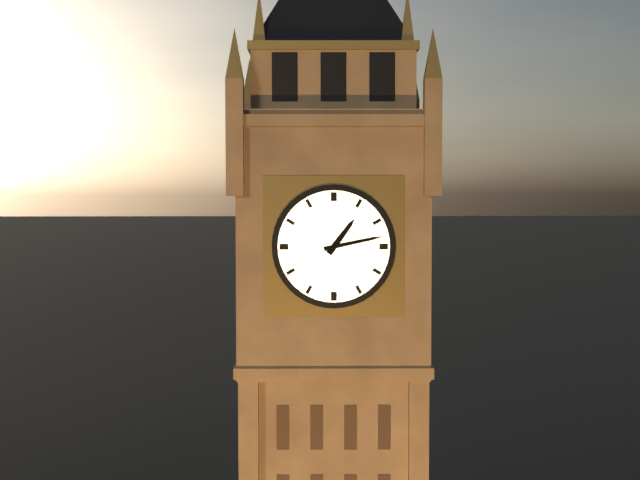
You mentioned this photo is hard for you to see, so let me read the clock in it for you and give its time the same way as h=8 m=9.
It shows h=1 m=13
